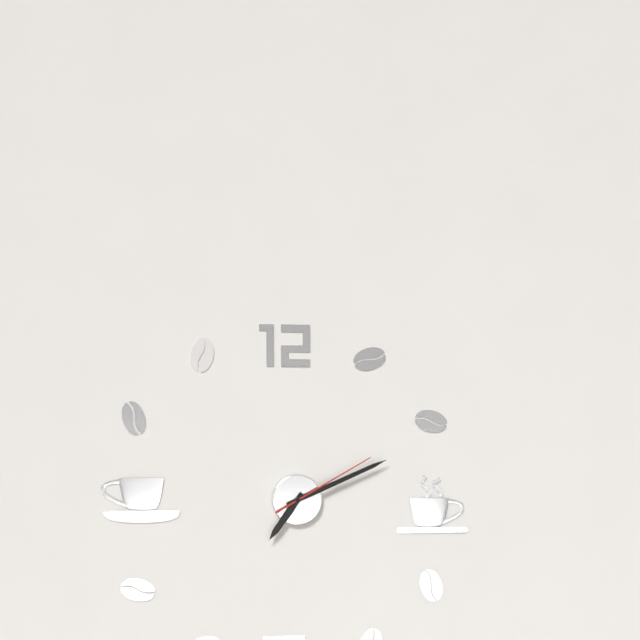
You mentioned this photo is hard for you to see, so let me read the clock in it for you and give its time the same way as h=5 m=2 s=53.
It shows h=7 m=11 s=10
